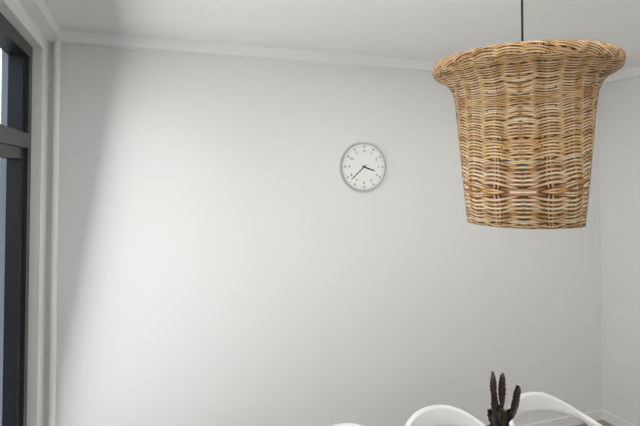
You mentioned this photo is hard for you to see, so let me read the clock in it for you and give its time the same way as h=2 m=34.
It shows h=3 m=38
